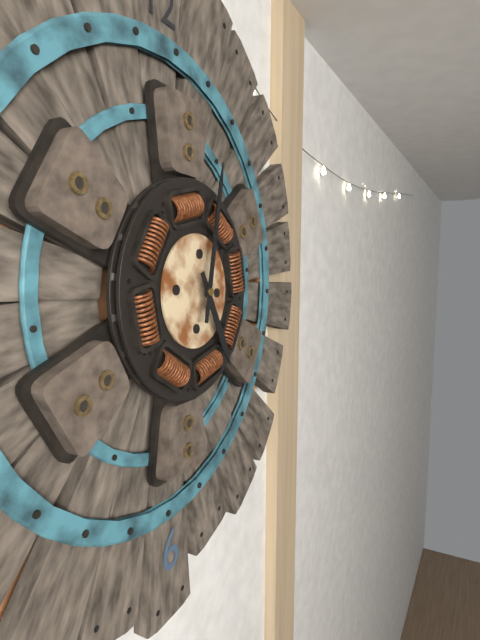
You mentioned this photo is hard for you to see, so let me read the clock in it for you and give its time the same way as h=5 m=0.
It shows h=5 m=2
